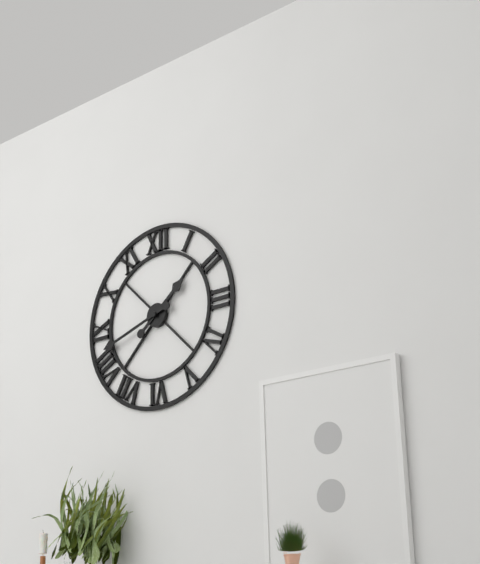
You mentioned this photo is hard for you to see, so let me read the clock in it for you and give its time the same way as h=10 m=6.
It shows h=1 m=42
